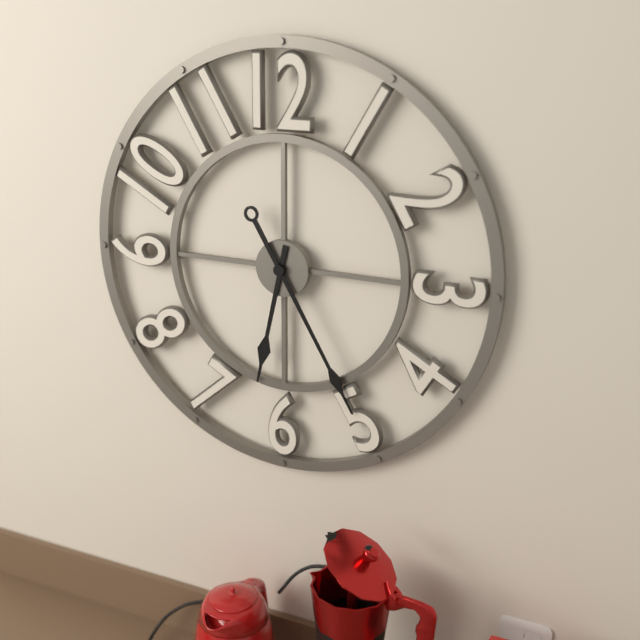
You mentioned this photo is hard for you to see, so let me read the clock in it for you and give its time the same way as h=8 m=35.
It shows h=6 m=25
